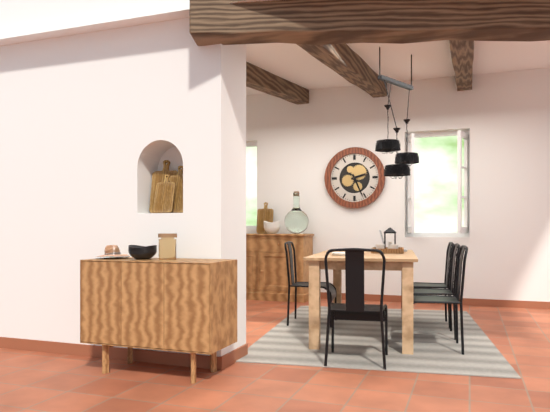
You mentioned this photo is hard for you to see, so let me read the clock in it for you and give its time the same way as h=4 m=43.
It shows h=2 m=26
